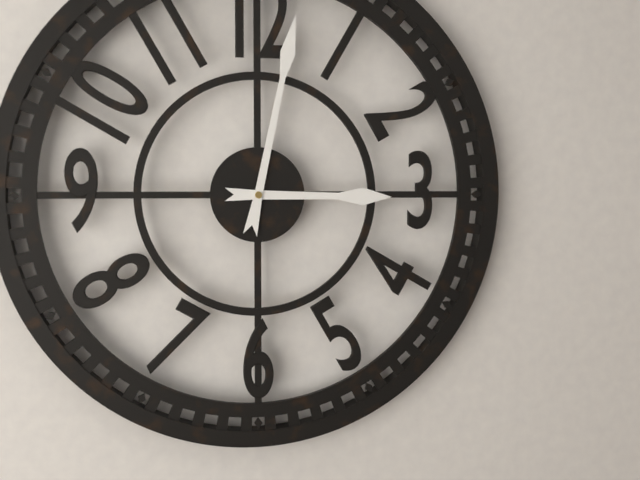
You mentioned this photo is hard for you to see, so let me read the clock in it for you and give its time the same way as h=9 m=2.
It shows h=3 m=2
